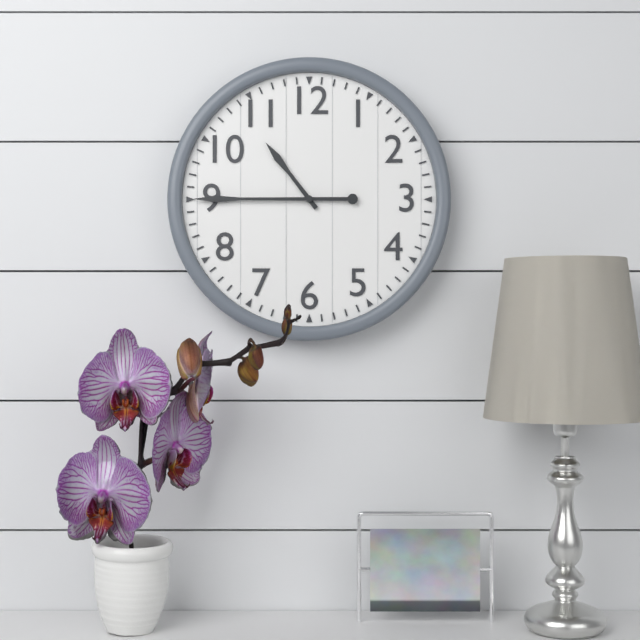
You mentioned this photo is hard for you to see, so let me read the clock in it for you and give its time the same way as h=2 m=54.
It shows h=10 m=45
